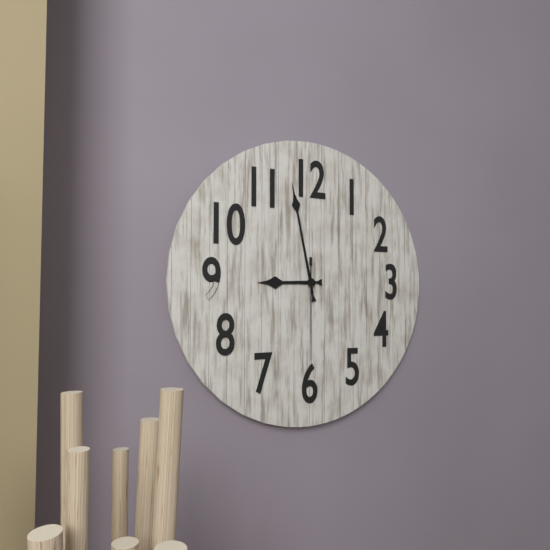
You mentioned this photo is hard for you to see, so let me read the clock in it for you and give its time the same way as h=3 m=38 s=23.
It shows h=8 m=58 s=30
